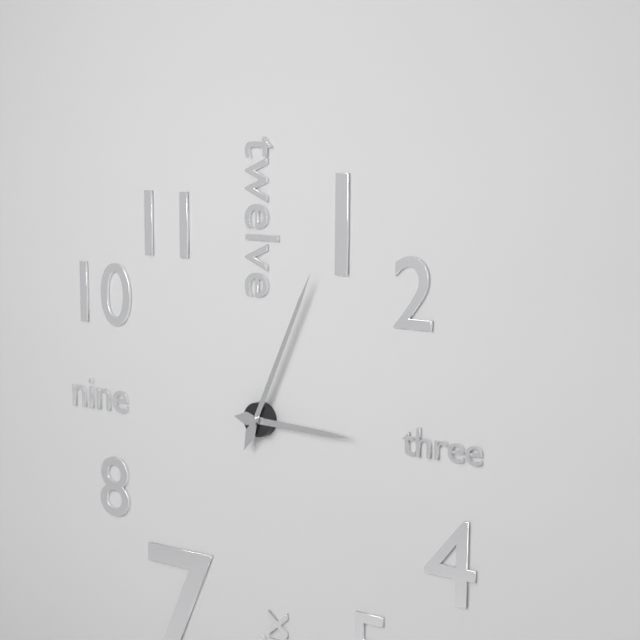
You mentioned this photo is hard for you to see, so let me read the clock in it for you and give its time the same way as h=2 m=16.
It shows h=3 m=4
